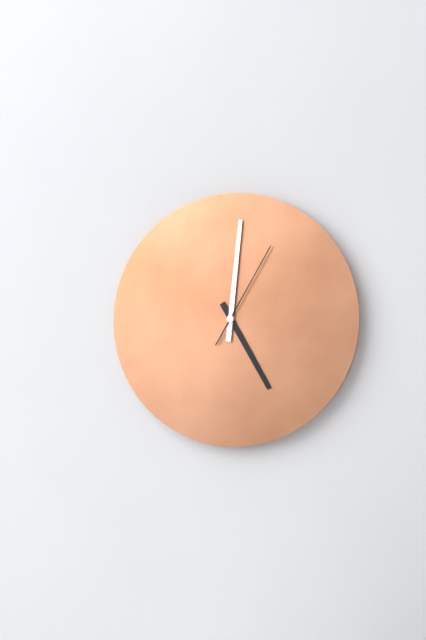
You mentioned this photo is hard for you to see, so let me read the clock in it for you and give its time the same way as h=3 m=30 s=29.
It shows h=5 m=1 s=5
